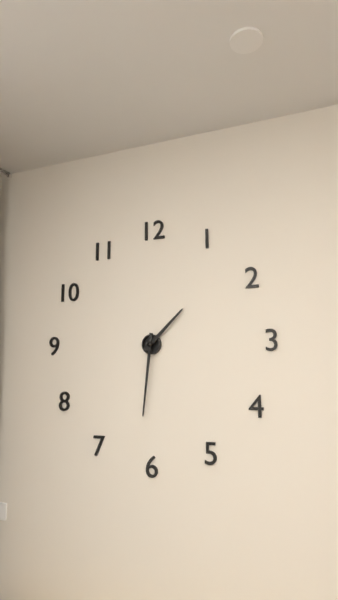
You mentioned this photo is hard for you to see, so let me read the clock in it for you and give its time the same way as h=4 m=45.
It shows h=1 m=31
